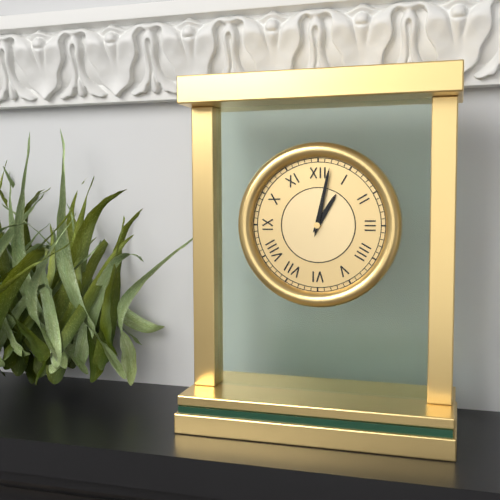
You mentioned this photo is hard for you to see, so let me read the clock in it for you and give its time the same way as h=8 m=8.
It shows h=1 m=2
